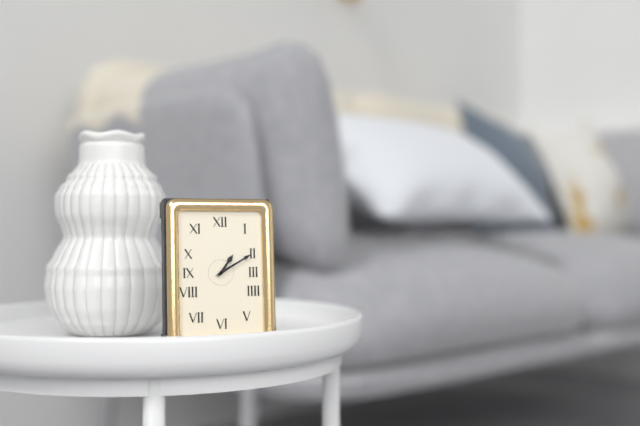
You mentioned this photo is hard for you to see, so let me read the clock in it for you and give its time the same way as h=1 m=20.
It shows h=1 m=10
